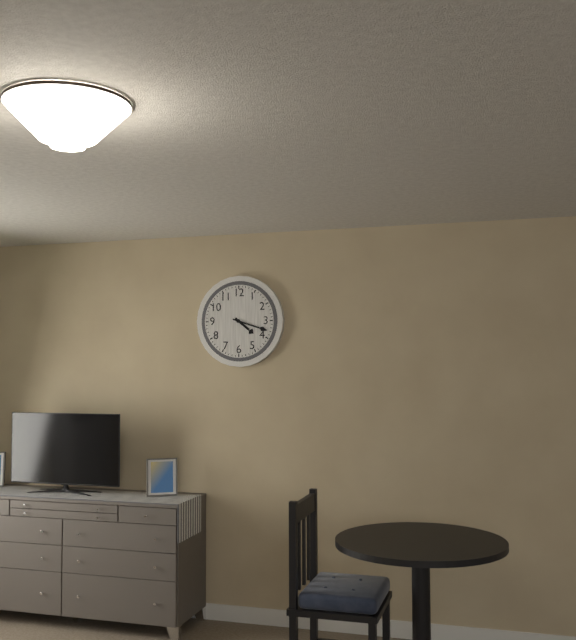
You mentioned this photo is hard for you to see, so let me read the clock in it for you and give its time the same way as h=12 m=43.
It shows h=4 m=18
